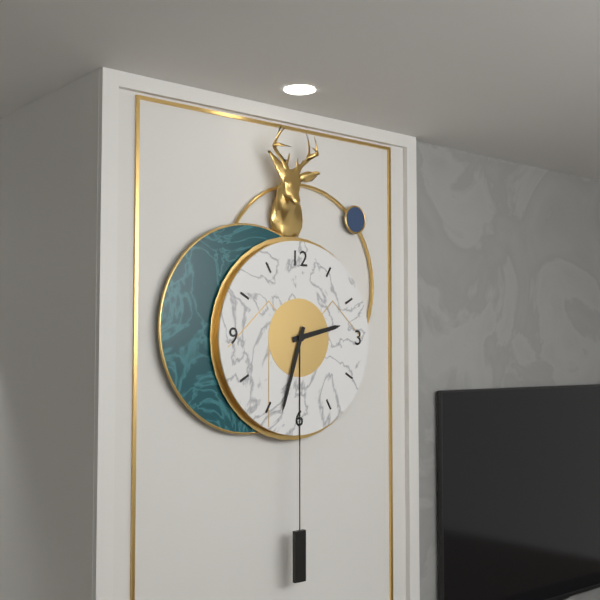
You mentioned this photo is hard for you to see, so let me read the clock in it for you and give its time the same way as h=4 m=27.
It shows h=2 m=33
